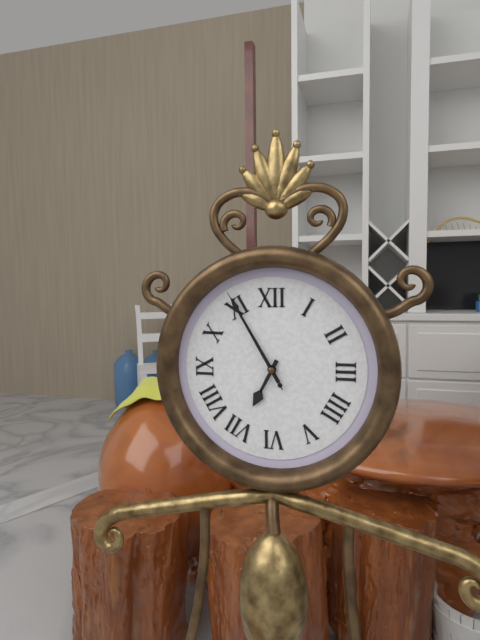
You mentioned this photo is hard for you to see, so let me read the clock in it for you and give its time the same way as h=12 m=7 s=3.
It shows h=6 m=55 s=55
